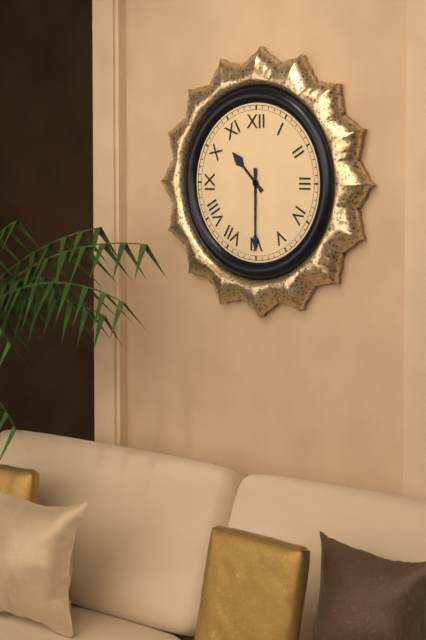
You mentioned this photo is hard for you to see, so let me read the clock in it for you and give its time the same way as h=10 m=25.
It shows h=10 m=30
